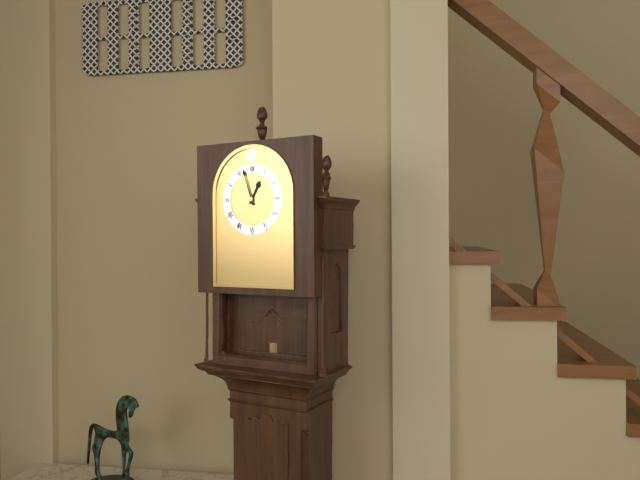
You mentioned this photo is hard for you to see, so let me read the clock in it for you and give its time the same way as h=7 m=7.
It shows h=12 m=57
